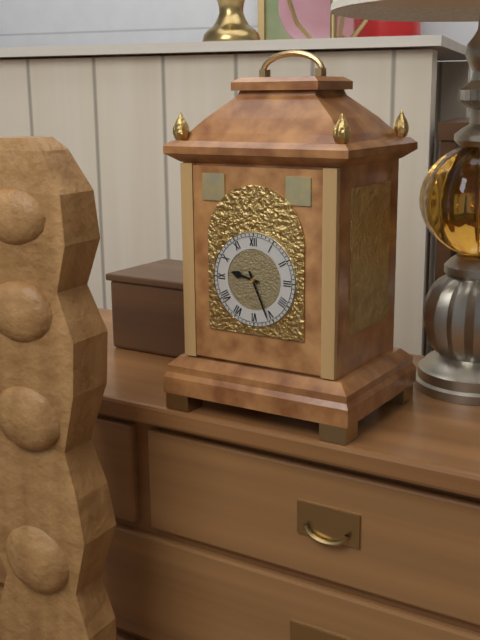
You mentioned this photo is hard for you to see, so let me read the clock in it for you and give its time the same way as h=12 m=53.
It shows h=9 m=26
